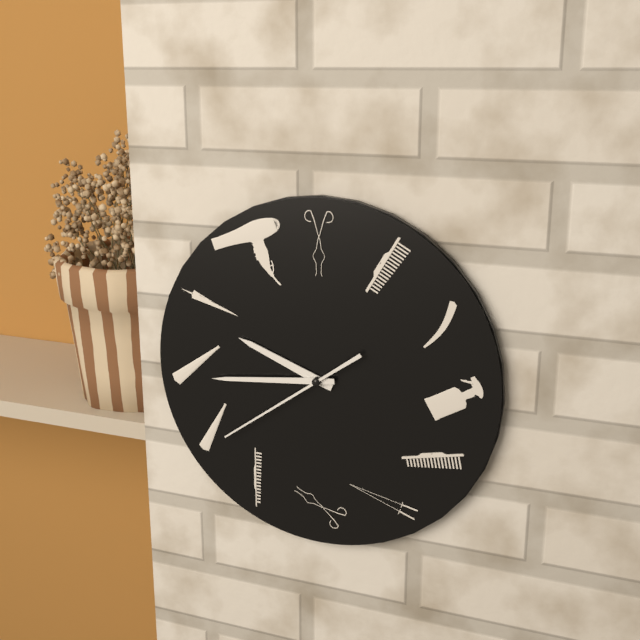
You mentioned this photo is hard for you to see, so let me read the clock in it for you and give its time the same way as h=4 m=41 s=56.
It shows h=9 m=44 s=39
